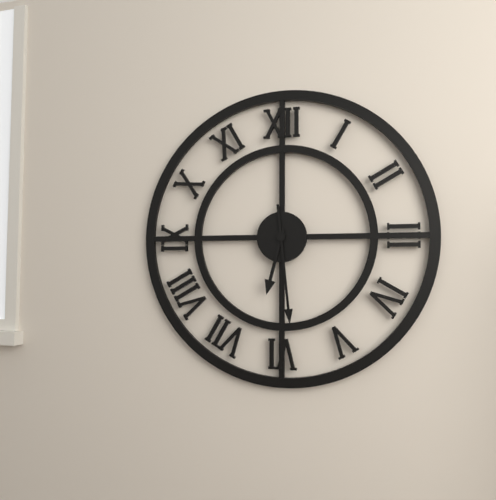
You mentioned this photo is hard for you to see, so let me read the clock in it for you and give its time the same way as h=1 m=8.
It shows h=6 m=29
